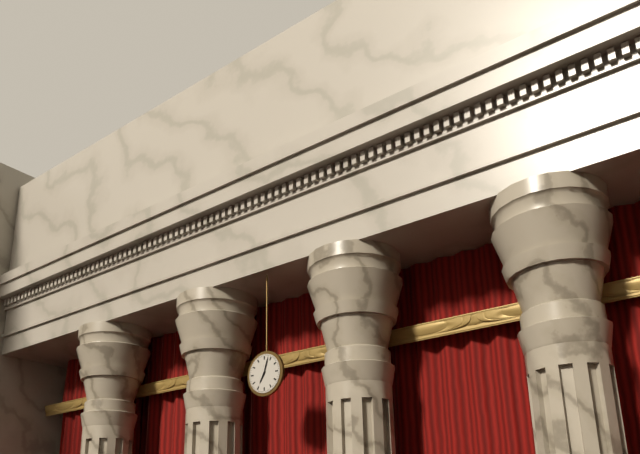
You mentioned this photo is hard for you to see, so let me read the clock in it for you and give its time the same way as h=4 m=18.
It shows h=7 m=3
